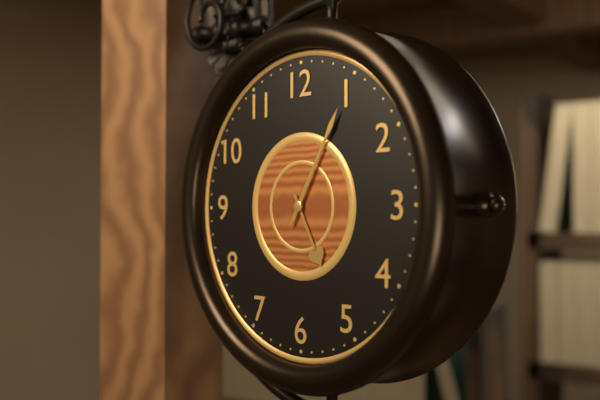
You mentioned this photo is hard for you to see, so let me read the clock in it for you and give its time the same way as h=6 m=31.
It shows h=5 m=5
